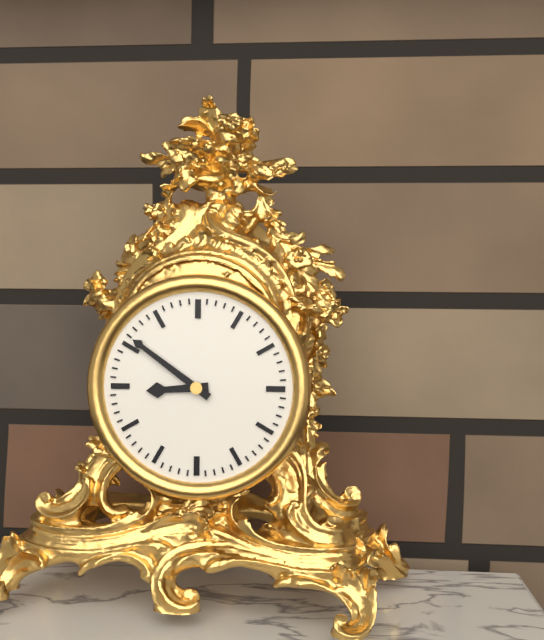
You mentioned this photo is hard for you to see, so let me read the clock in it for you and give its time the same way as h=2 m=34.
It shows h=8 m=51
